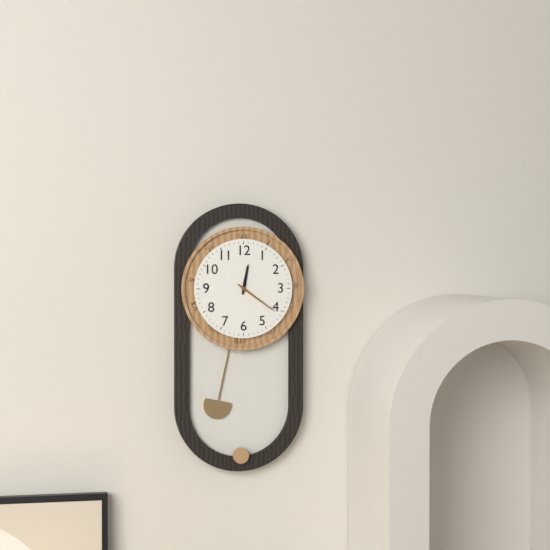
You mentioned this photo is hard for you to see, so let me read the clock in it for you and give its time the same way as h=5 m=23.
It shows h=12 m=21
